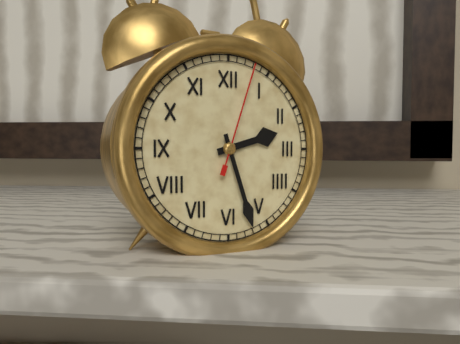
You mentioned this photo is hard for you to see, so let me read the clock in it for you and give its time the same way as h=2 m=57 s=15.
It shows h=2 m=27 s=3
